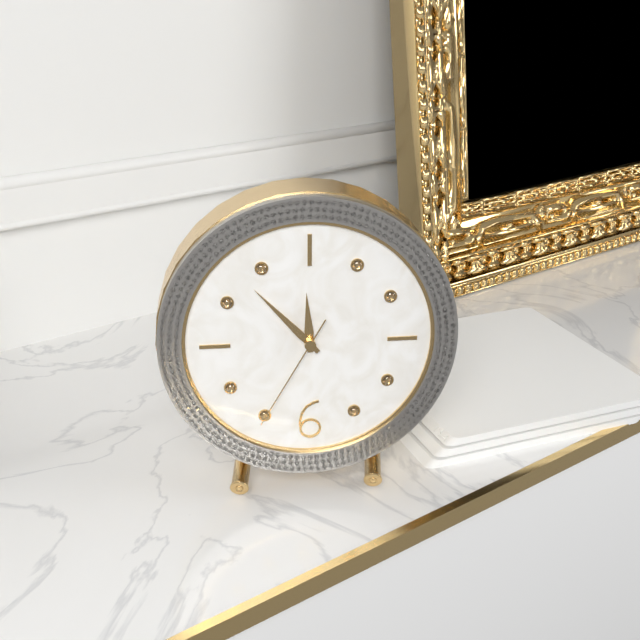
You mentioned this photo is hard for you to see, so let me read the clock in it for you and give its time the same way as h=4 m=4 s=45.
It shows h=11 m=53 s=35
